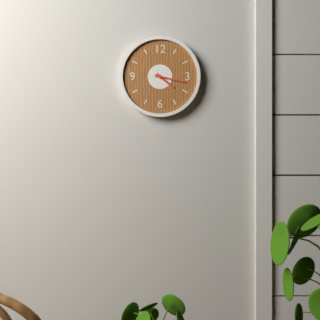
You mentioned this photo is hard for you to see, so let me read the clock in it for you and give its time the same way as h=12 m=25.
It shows h=4 m=17
